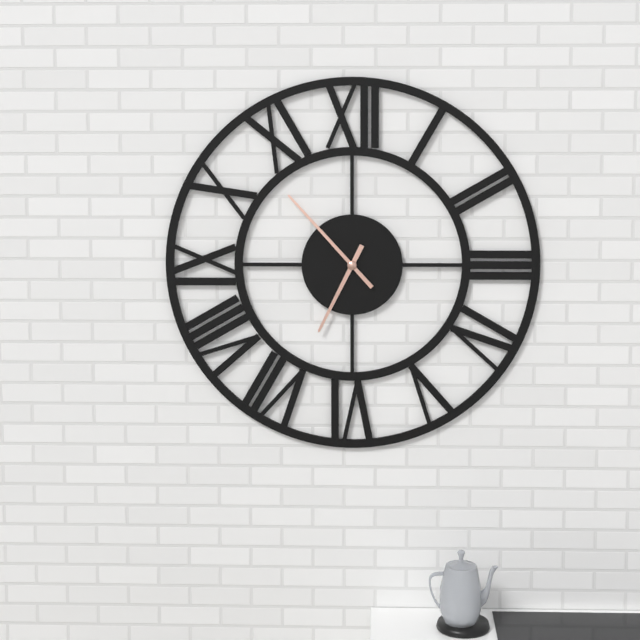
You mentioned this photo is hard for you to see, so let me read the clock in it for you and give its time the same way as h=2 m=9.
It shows h=6 m=53
